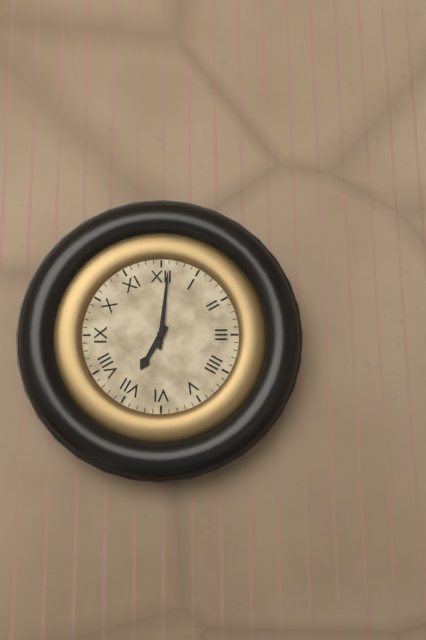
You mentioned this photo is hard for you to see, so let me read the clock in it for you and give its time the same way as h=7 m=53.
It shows h=7 m=1
